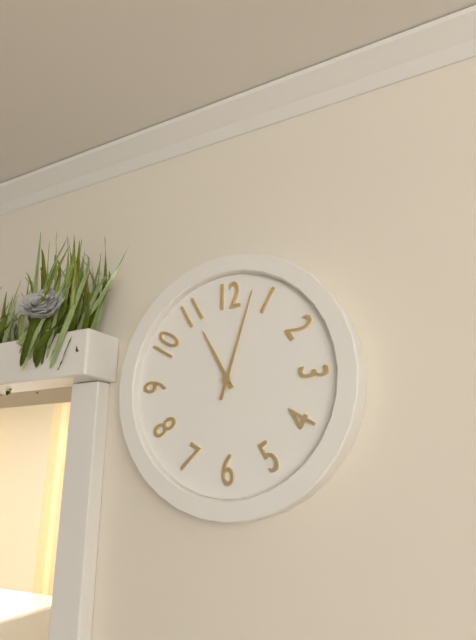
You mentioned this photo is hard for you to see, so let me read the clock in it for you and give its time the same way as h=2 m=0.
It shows h=11 m=3
